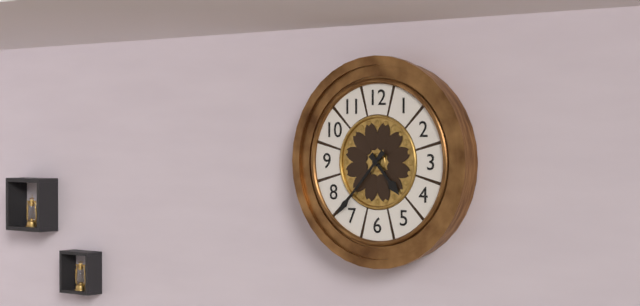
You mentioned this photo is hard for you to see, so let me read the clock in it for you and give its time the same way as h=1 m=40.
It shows h=4 m=37
